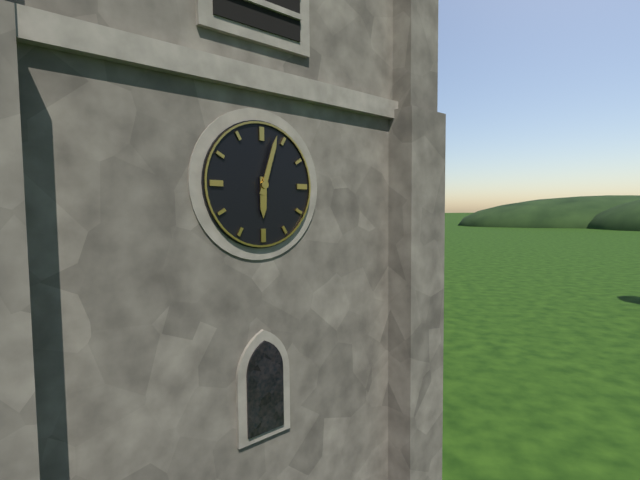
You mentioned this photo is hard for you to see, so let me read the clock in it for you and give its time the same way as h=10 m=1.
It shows h=6 m=3
